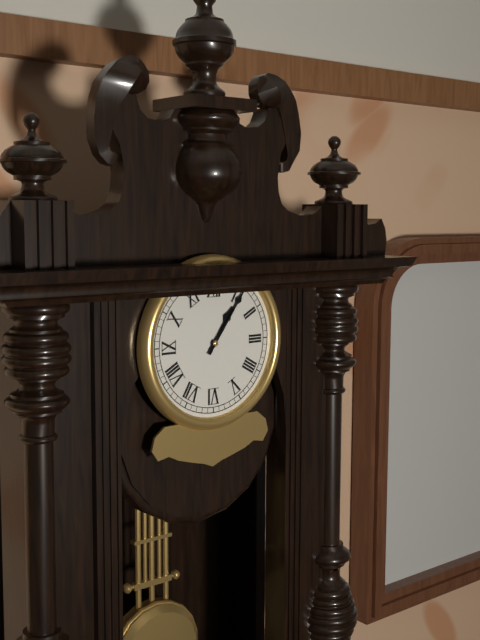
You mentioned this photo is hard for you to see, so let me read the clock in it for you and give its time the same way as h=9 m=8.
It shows h=1 m=6
